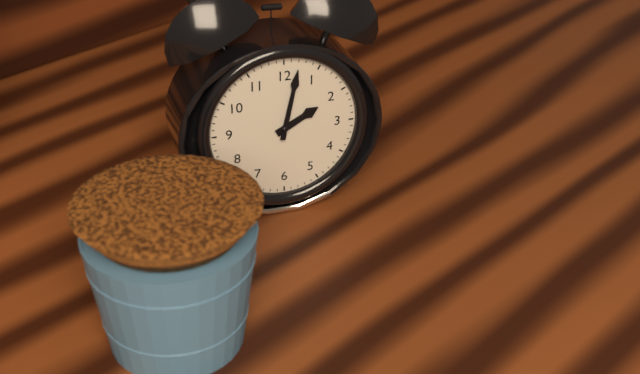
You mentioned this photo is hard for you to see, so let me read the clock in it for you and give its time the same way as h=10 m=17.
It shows h=2 m=2
